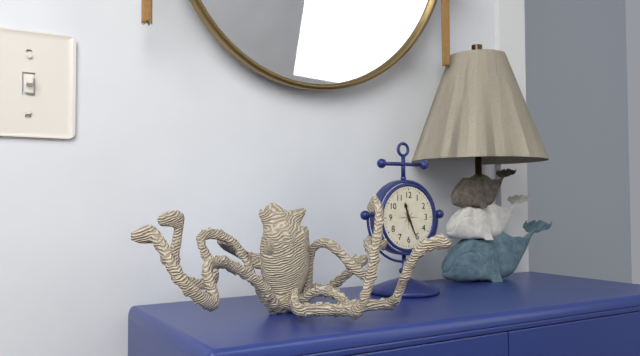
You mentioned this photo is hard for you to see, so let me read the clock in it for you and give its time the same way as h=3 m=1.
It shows h=11 m=26
